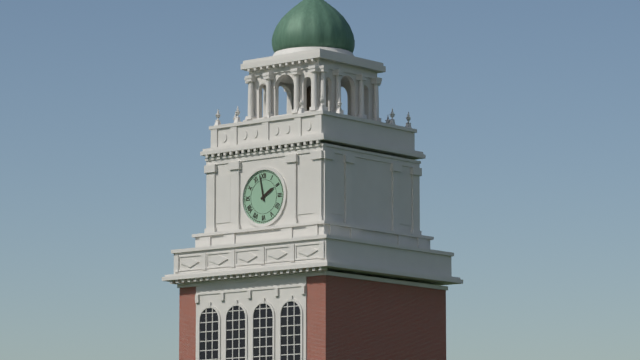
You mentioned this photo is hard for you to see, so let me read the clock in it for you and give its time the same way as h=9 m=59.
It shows h=1 m=58
